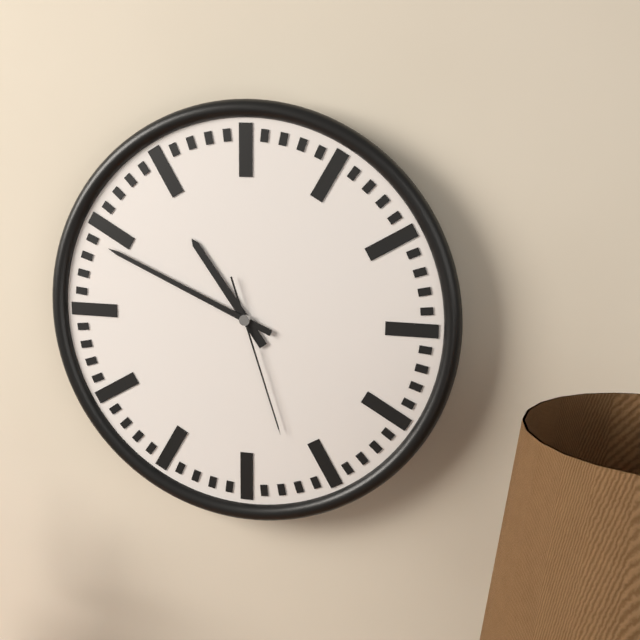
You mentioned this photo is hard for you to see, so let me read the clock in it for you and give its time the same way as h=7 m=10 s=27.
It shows h=10 m=49 s=27
